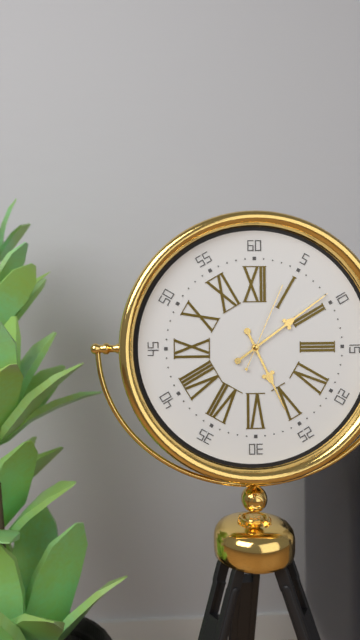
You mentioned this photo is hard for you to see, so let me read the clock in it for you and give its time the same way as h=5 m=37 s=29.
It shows h=5 m=9 s=4
